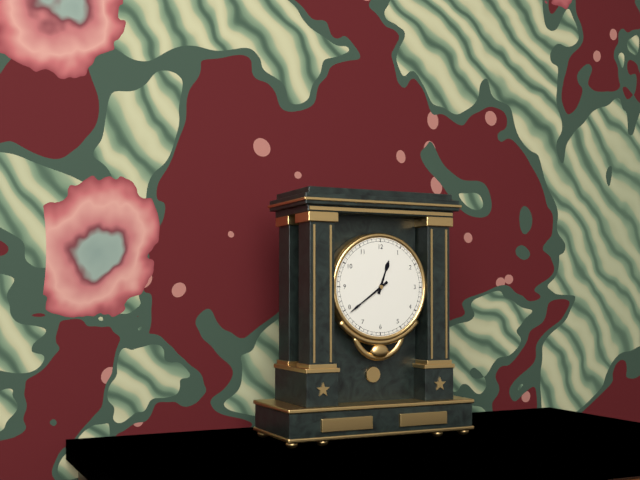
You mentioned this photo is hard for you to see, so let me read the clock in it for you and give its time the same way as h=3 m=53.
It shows h=12 m=39
